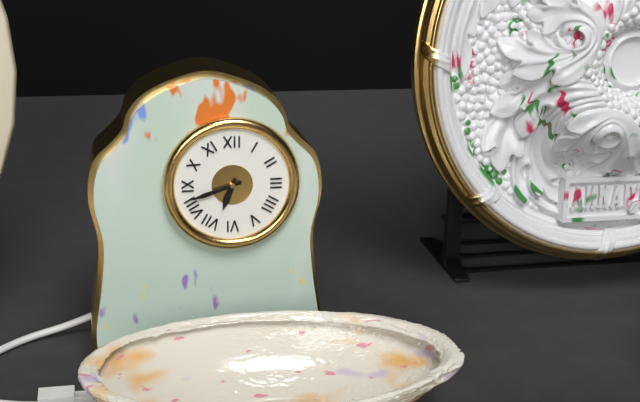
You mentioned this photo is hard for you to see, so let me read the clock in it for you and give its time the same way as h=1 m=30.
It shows h=6 m=42
